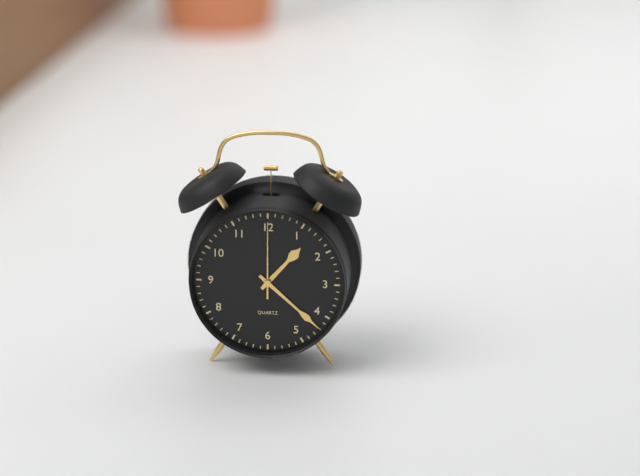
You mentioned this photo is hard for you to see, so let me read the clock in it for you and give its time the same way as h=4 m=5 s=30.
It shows h=1 m=22 s=0
